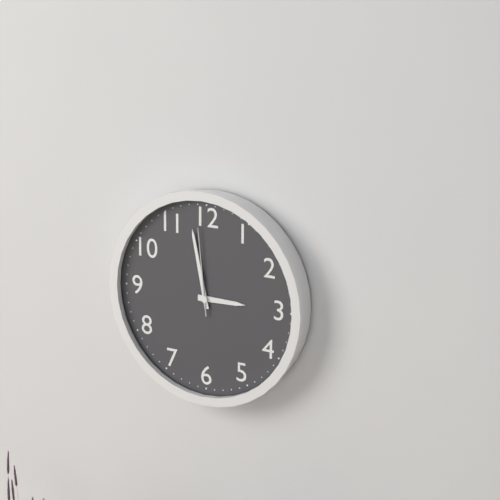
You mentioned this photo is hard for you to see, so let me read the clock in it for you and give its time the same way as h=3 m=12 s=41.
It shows h=2 m=58 s=59
